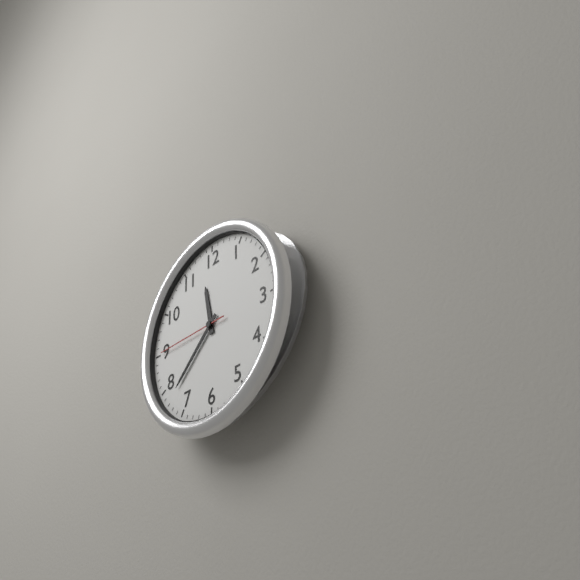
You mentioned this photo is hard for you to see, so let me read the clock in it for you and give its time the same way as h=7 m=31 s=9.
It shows h=11 m=38 s=45
